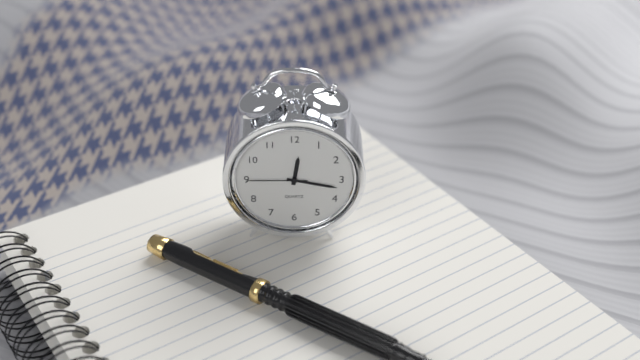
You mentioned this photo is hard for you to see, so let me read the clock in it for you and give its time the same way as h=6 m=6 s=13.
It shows h=12 m=17 s=45
